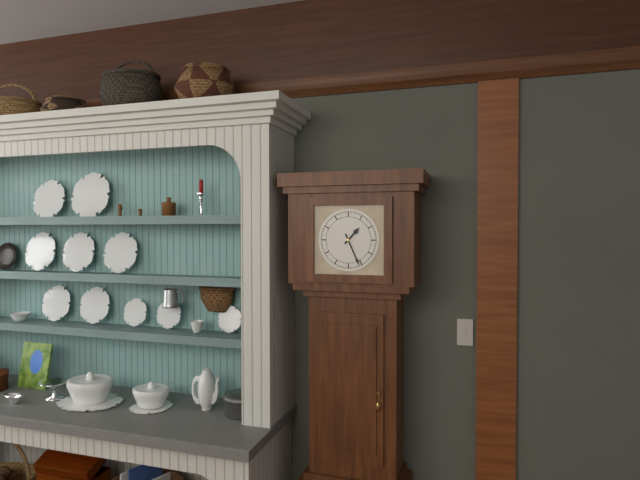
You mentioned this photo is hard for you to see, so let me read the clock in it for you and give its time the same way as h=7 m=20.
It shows h=1 m=26
